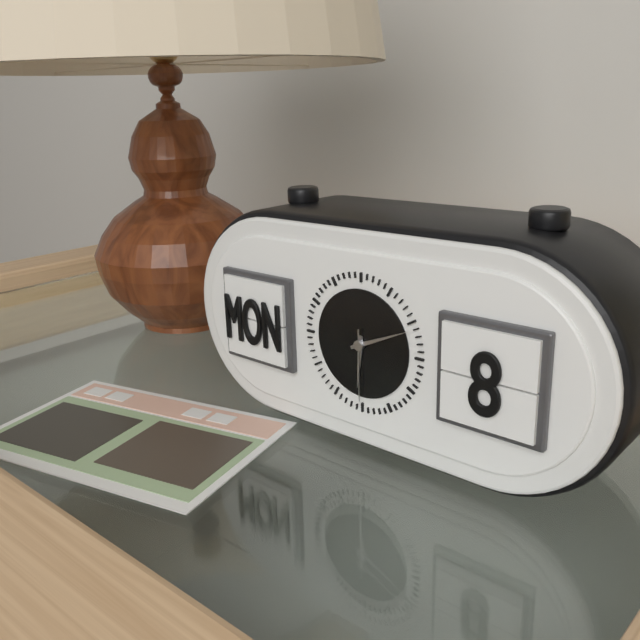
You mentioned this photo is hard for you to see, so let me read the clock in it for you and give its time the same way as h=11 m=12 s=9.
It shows h=6 m=11 s=30
